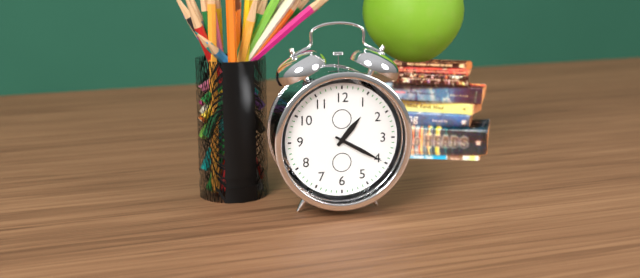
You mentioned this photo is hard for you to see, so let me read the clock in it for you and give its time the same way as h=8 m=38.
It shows h=1 m=20
